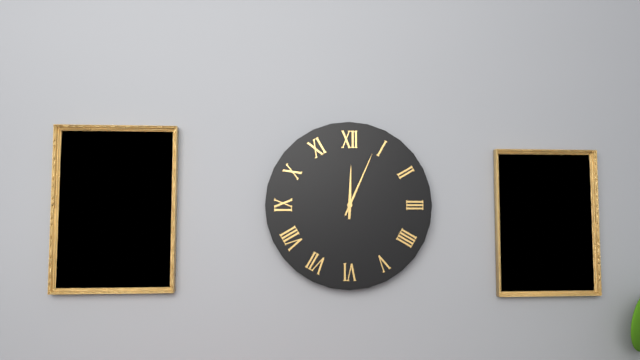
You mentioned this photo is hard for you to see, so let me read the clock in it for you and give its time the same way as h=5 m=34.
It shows h=12 m=4
